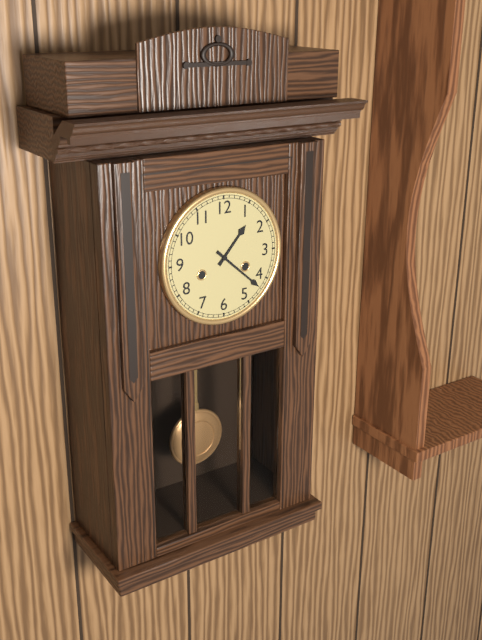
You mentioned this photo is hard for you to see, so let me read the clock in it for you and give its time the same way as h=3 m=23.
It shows h=1 m=22
